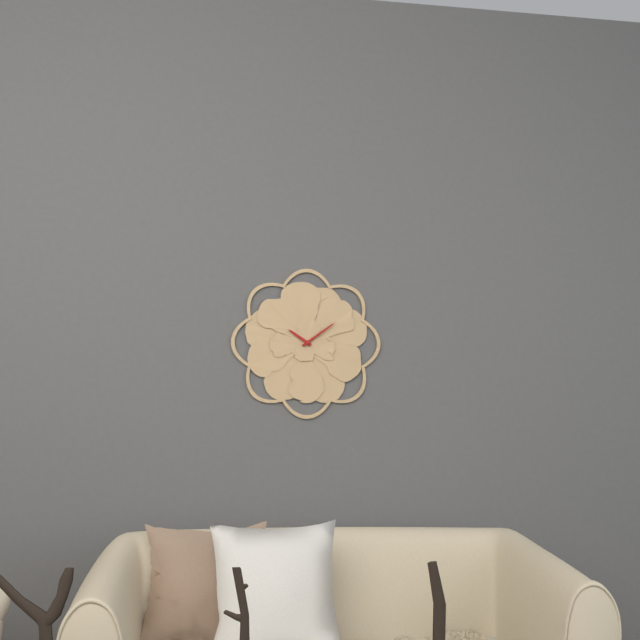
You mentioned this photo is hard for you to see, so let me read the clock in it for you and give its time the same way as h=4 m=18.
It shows h=10 m=9
